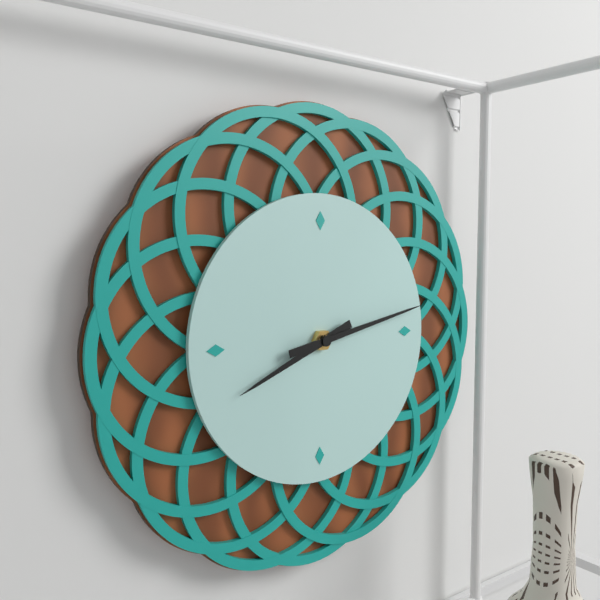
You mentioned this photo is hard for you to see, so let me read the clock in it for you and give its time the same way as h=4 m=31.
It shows h=8 m=13
